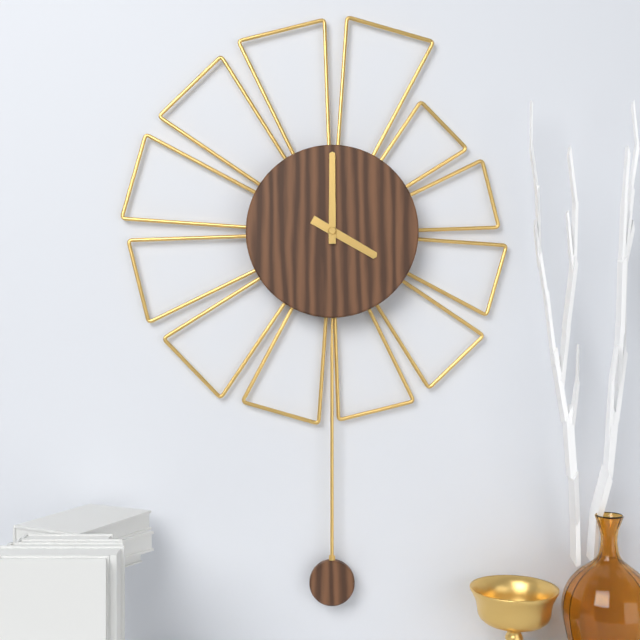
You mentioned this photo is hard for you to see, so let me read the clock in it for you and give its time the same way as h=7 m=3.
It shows h=4 m=0
